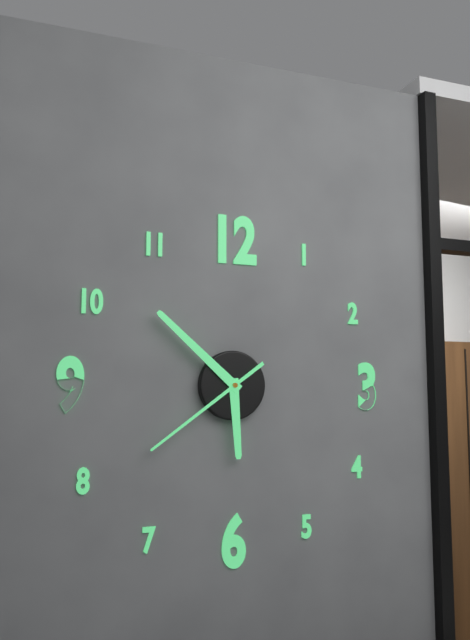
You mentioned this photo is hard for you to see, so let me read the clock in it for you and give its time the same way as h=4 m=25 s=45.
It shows h=5 m=52 s=39
